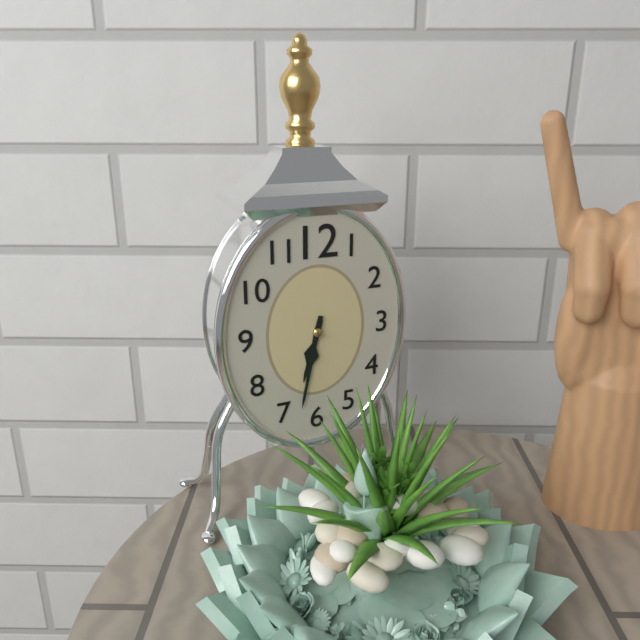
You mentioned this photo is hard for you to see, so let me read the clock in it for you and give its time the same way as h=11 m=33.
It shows h=6 m=32
